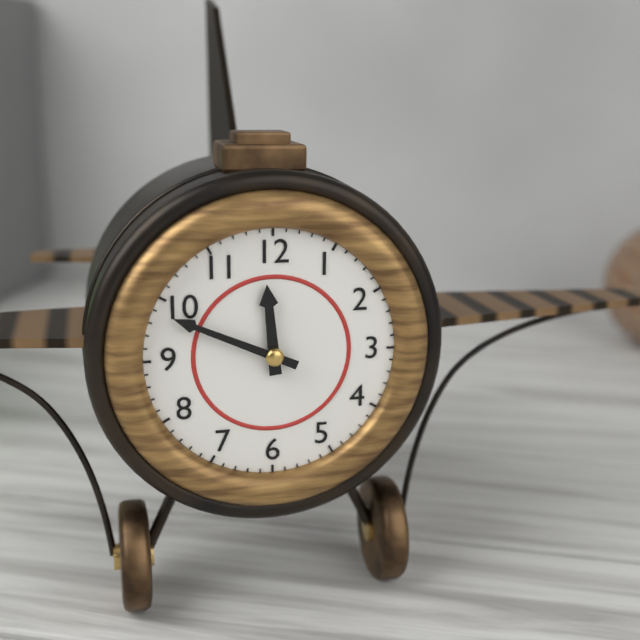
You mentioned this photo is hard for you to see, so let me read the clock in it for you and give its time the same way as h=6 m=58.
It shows h=11 m=49
